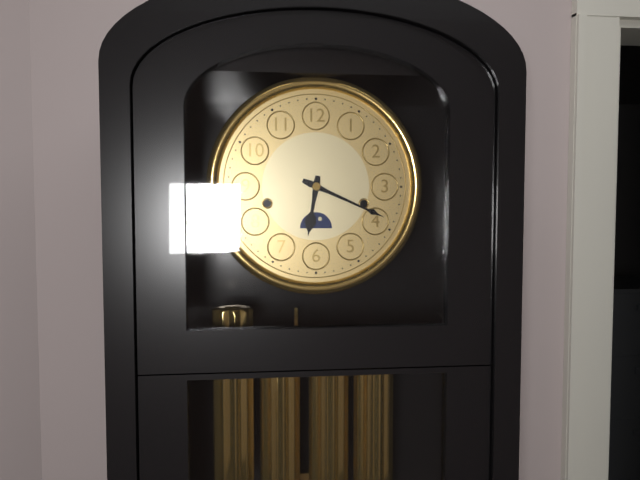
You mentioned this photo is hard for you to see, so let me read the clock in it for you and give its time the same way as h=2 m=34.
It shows h=6 m=19
